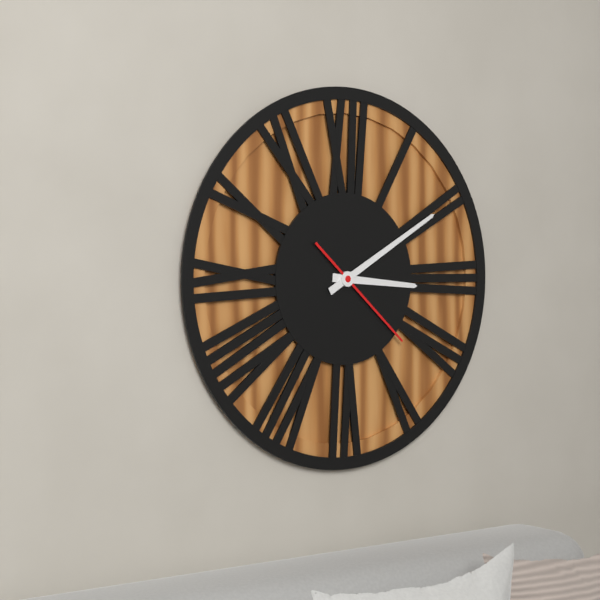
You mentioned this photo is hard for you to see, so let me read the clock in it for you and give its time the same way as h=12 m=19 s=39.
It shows h=3 m=10 s=22
